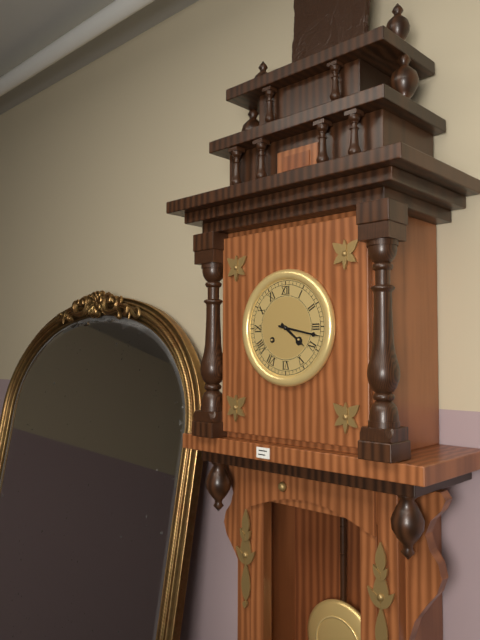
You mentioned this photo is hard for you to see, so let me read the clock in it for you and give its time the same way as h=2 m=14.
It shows h=4 m=17
